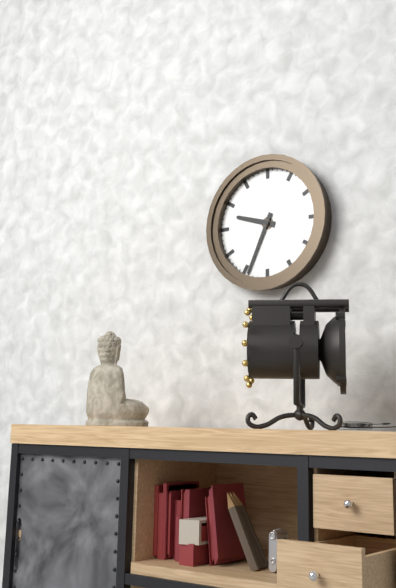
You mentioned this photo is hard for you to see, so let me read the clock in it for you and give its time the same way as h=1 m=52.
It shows h=9 m=34
